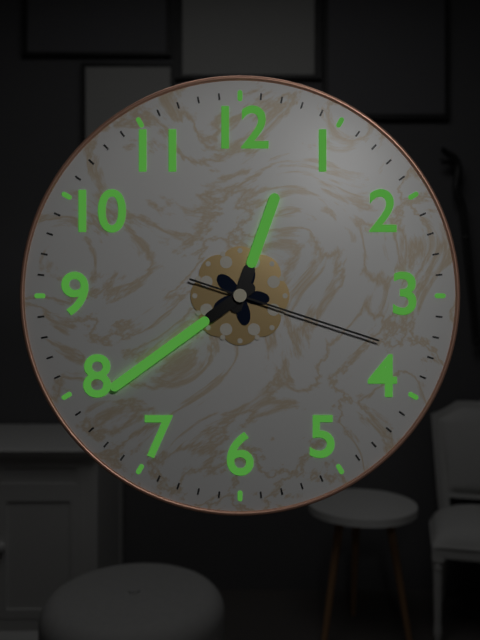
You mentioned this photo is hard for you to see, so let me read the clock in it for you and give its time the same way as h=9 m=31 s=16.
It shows h=12 m=39 s=18
